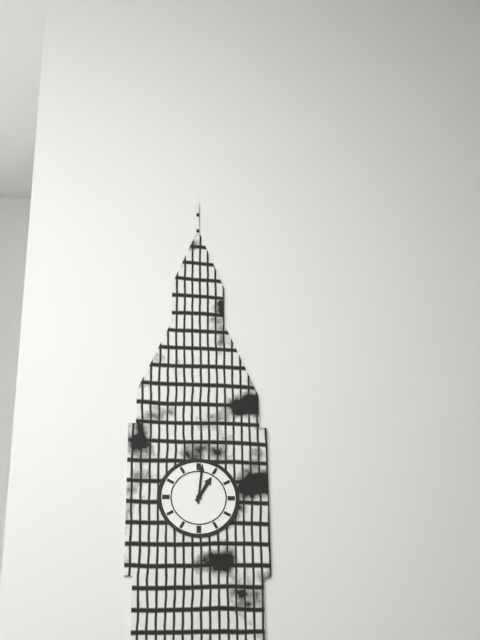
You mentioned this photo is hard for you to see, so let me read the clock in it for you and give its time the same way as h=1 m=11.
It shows h=1 m=1
